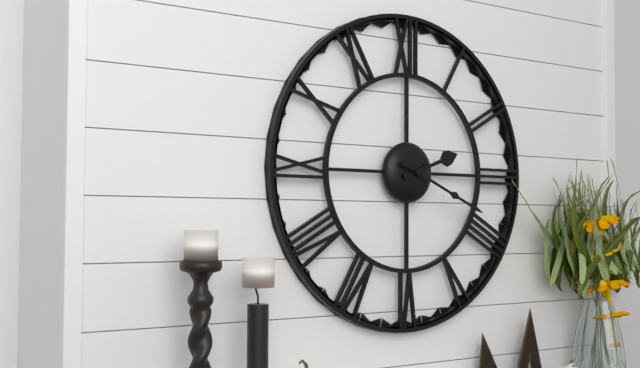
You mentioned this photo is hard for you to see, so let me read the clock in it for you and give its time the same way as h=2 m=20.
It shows h=2 m=19
